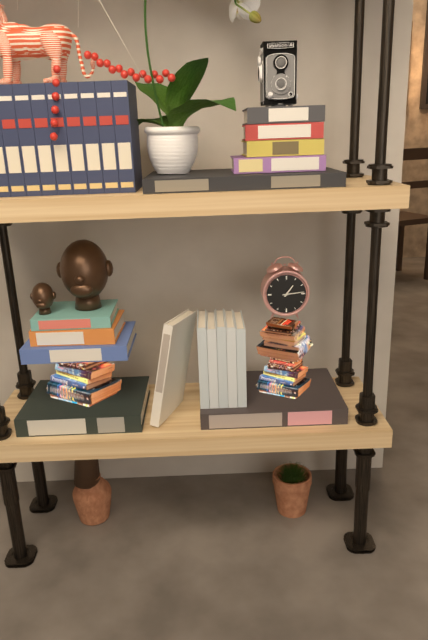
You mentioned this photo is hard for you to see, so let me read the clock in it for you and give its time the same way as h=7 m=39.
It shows h=1 m=14
